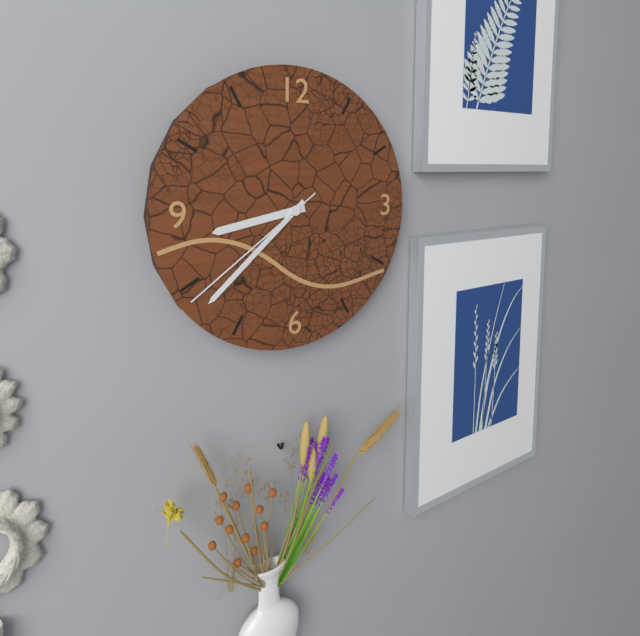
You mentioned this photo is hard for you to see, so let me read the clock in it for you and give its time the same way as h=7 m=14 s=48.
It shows h=8 m=38 s=39
